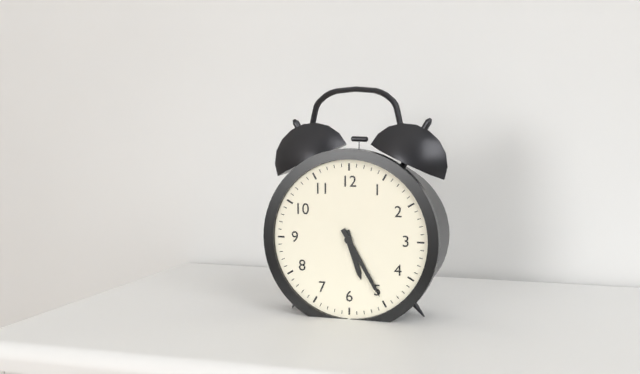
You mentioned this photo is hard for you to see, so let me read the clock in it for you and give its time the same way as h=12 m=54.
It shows h=5 m=25
